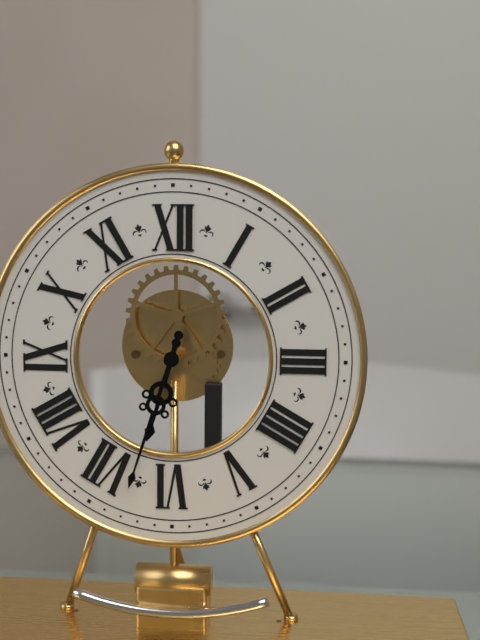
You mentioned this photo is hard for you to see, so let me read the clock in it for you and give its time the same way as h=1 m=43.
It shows h=6 m=33
